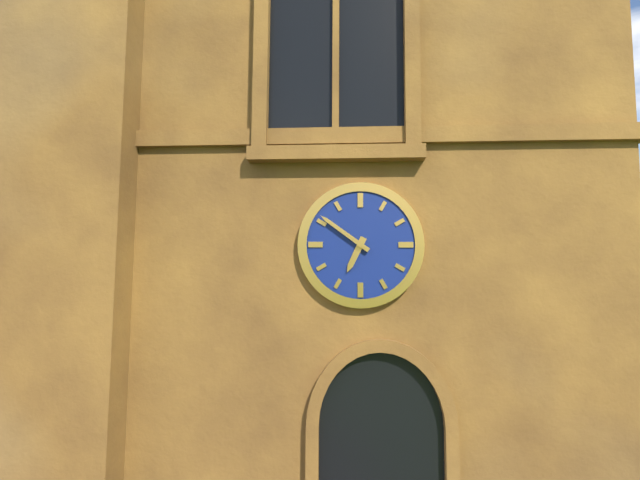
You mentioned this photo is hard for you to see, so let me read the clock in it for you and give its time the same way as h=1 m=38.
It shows h=6 m=51
